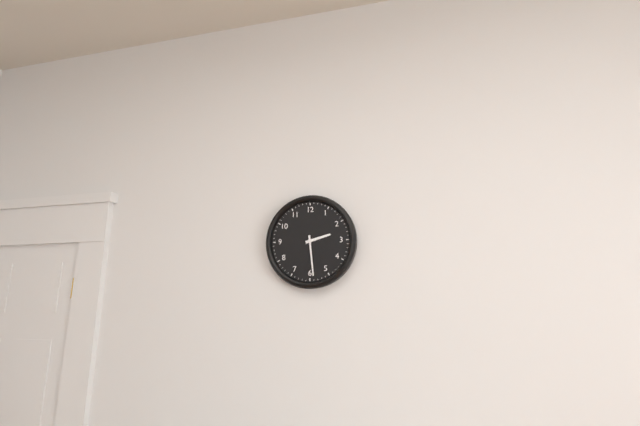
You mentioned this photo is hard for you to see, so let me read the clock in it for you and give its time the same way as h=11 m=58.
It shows h=2 m=29
